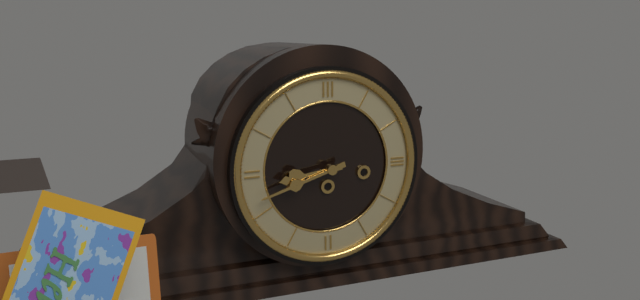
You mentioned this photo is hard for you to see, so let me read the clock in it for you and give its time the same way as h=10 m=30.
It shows h=8 m=42
